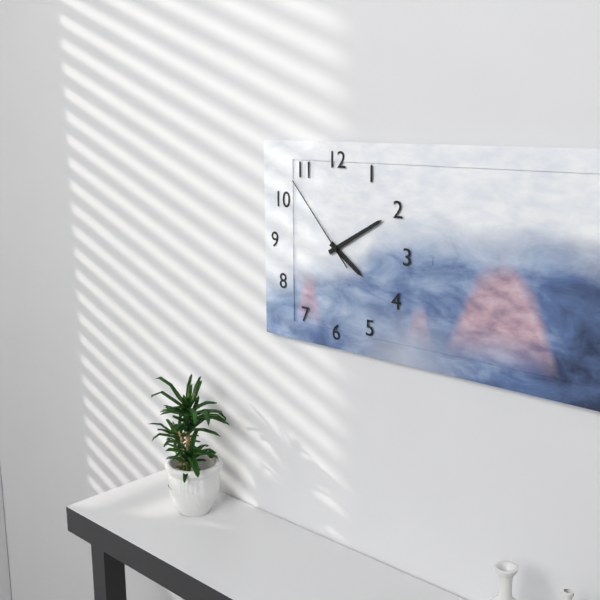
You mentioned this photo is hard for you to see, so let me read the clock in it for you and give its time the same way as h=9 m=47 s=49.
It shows h=4 m=10 s=53
